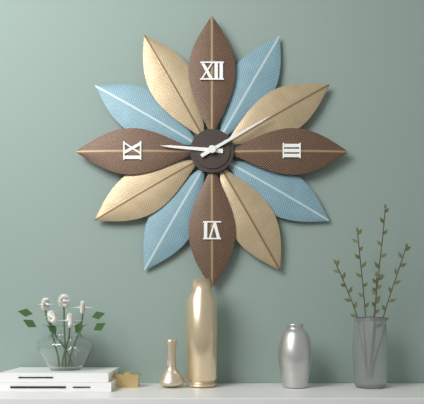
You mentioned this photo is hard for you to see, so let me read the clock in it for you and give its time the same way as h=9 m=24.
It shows h=9 m=10
